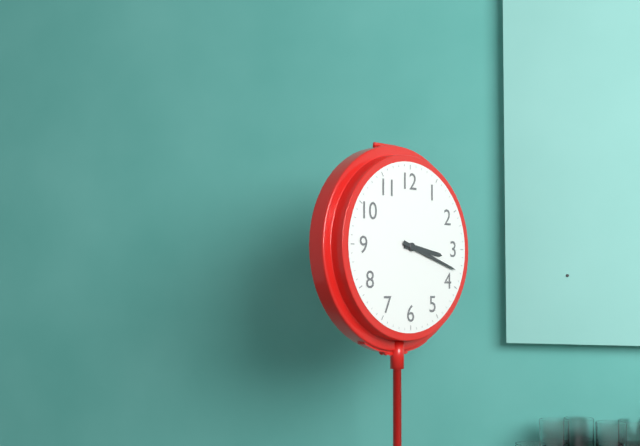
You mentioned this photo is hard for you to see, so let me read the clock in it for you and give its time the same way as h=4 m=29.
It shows h=3 m=18
